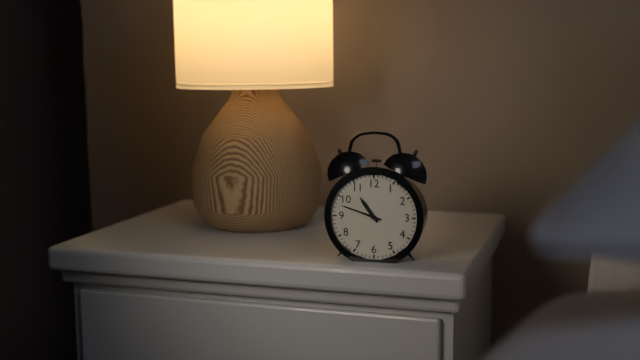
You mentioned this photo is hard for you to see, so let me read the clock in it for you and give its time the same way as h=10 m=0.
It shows h=10 m=48
